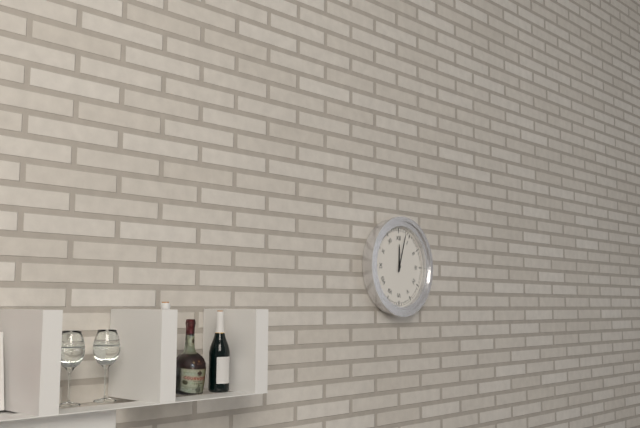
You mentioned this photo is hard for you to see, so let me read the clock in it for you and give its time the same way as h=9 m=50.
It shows h=12 m=3
